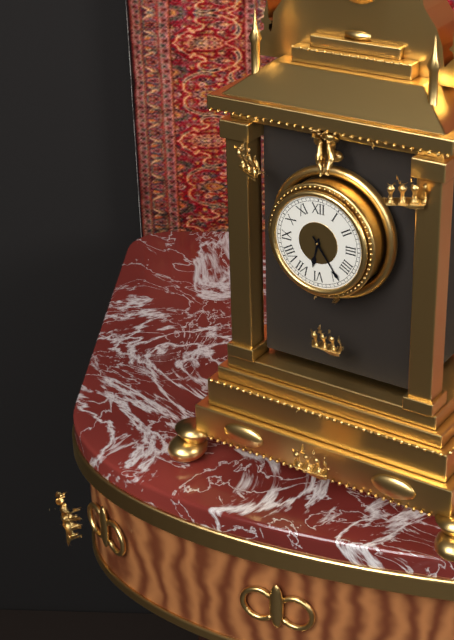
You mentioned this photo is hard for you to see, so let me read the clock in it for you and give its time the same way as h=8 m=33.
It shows h=6 m=24
